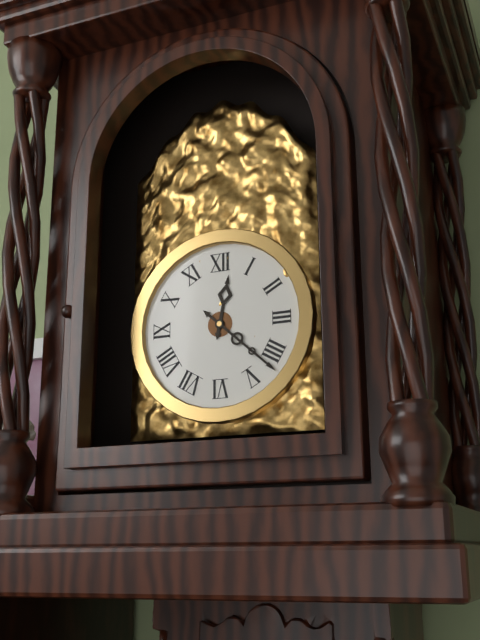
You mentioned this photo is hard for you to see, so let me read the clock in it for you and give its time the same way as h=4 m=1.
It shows h=12 m=22
